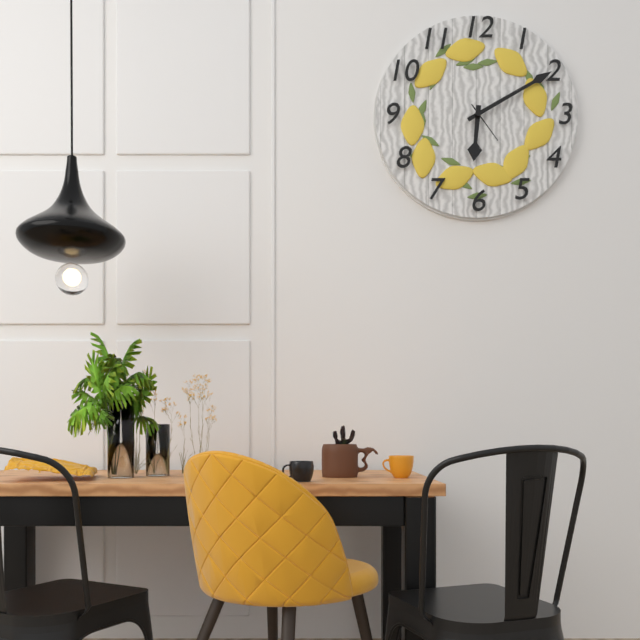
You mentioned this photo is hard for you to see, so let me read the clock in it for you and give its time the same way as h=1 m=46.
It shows h=6 m=10
